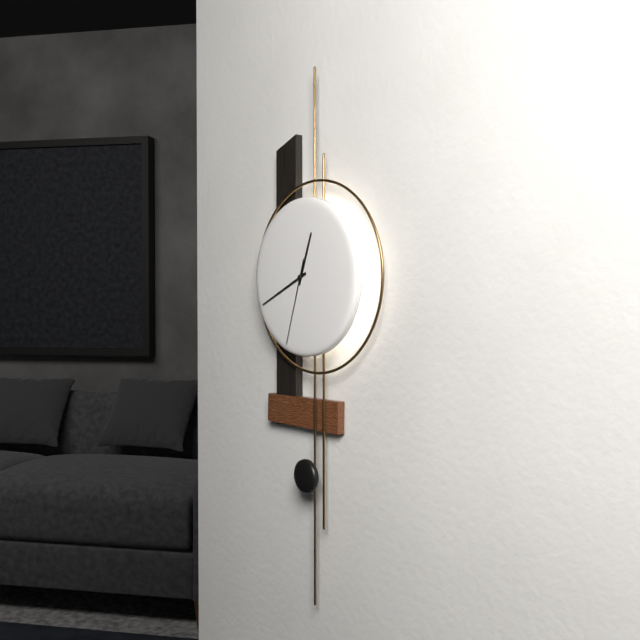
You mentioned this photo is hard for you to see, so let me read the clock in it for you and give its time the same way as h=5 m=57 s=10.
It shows h=12 m=41 s=33
